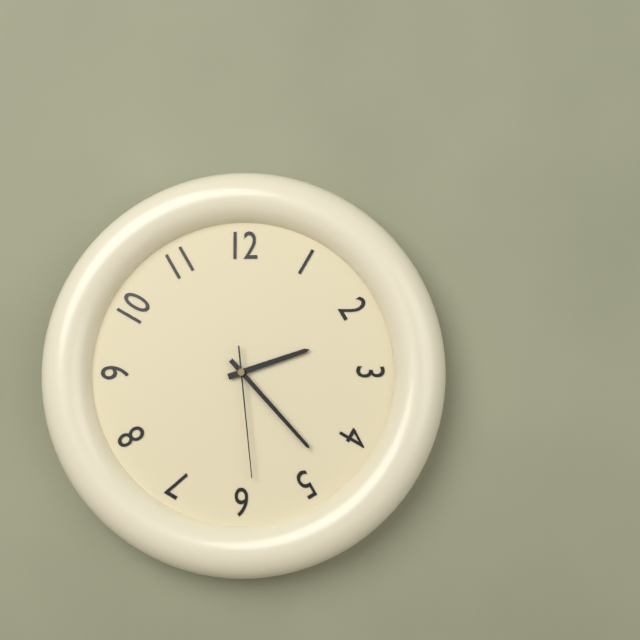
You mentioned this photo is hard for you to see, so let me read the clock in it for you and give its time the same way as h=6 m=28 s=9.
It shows h=2 m=23 s=29
